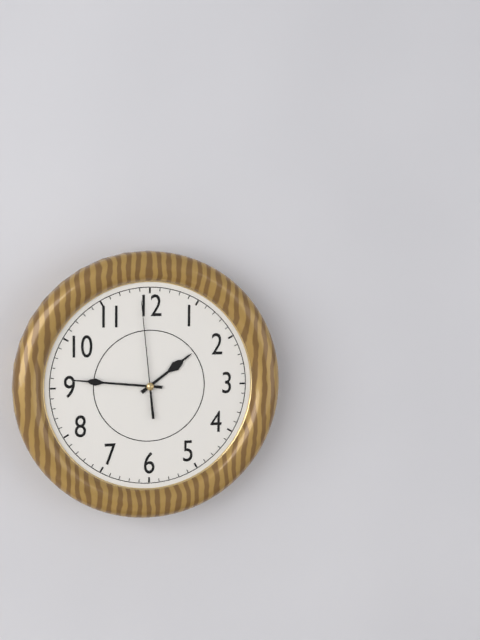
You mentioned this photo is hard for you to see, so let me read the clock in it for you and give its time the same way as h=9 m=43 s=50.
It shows h=1 m=46 s=59
